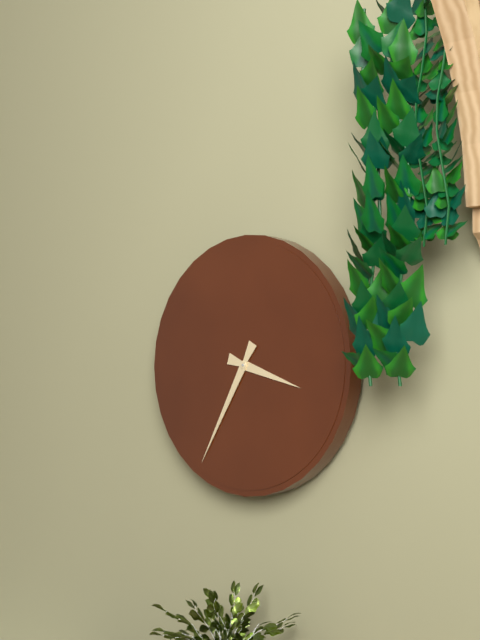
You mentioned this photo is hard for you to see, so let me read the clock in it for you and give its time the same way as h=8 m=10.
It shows h=3 m=35
